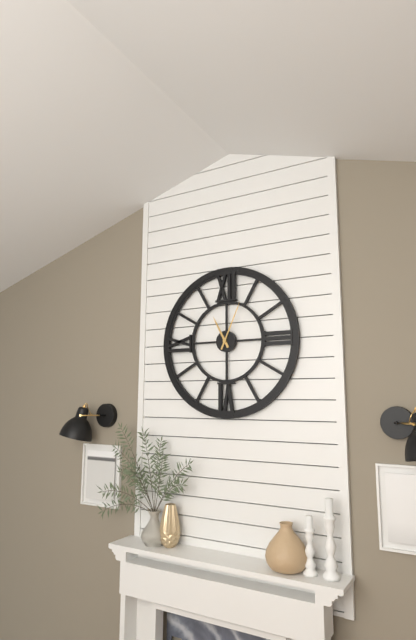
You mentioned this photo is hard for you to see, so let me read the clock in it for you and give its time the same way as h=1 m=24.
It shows h=11 m=4
